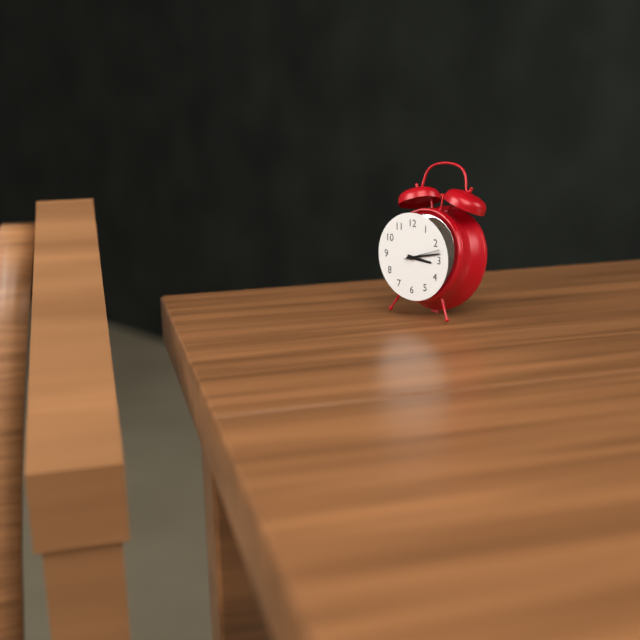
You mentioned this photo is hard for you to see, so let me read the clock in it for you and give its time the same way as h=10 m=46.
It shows h=3 m=13
